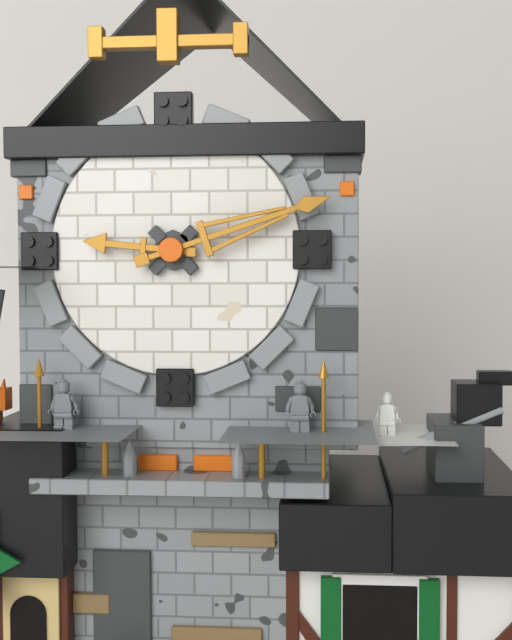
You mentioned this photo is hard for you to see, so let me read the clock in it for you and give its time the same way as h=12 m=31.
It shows h=9 m=12
